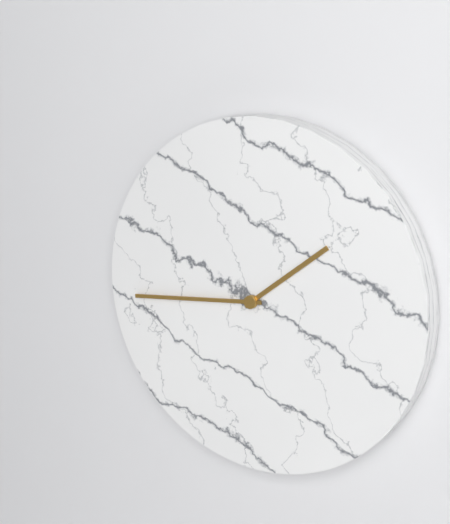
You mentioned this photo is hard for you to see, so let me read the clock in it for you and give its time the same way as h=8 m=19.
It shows h=1 m=44
